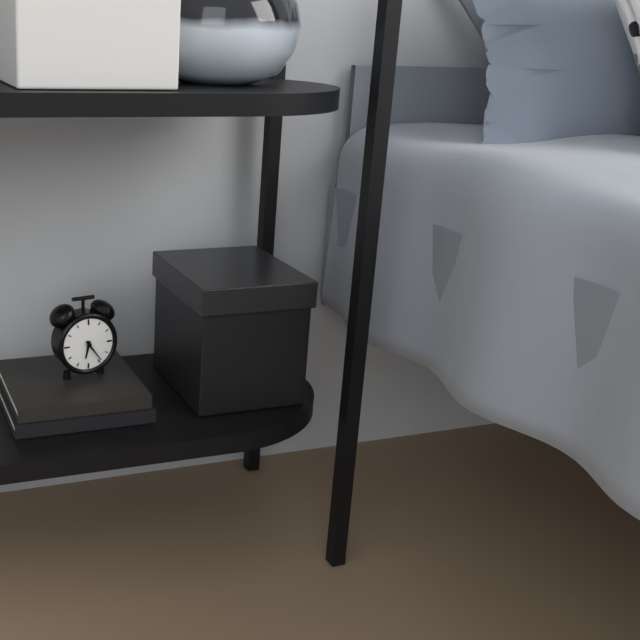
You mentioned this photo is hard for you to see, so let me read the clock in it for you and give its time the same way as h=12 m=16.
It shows h=6 m=24
